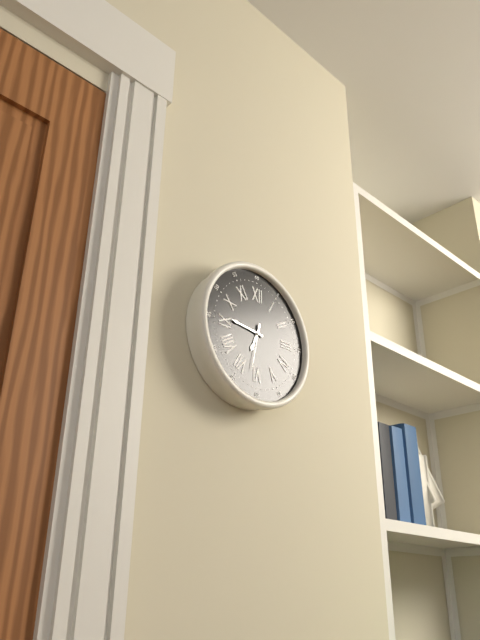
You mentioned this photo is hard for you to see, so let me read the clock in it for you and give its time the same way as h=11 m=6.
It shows h=6 m=46
